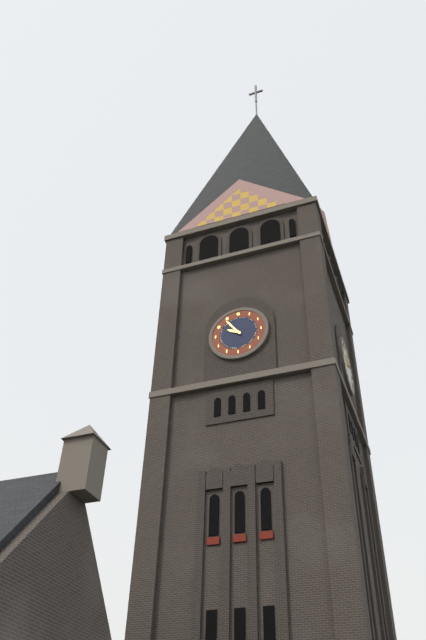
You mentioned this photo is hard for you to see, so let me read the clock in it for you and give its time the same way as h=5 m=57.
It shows h=9 m=54
